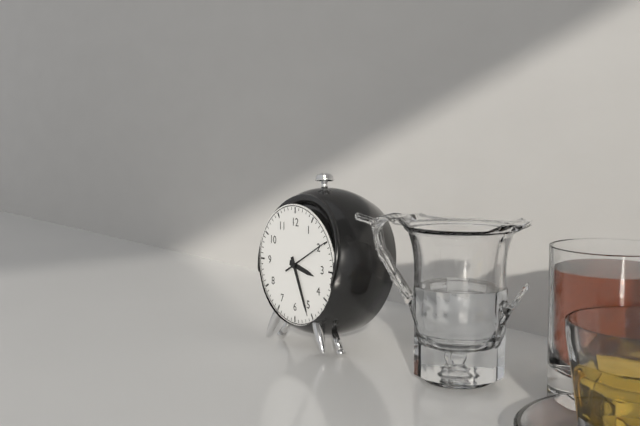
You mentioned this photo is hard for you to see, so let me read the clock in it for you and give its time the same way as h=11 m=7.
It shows h=3 m=26
